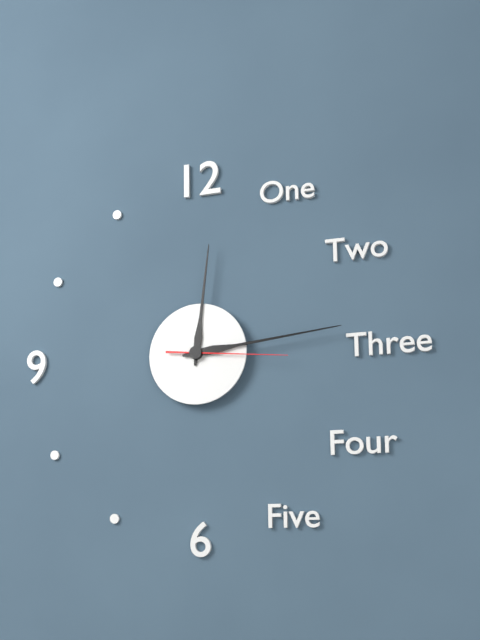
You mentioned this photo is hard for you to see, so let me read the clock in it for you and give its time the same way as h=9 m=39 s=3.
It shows h=12 m=14 s=16
